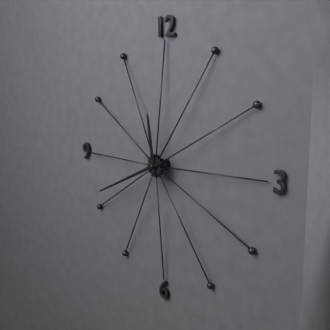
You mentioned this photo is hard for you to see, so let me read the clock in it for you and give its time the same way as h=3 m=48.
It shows h=11 m=41
